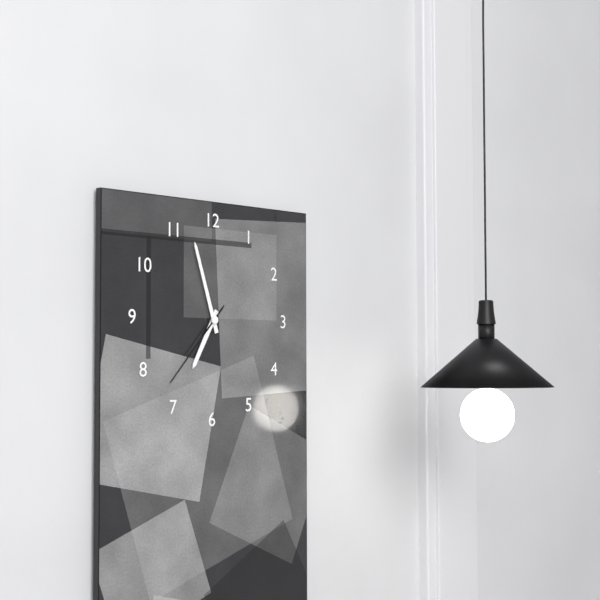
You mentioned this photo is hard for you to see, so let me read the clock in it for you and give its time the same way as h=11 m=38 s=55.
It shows h=6 m=57 s=37
